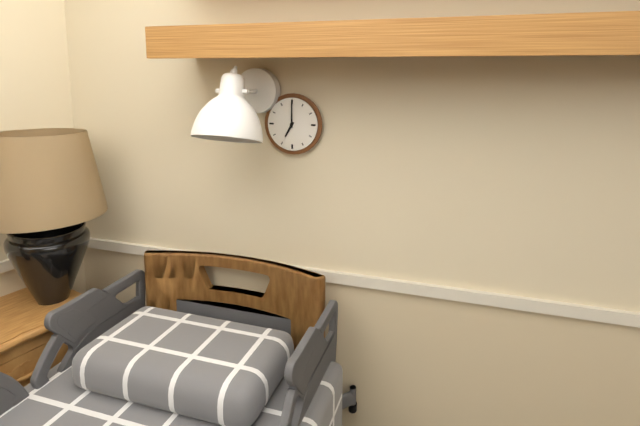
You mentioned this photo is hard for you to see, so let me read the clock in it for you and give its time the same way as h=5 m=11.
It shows h=7 m=0
